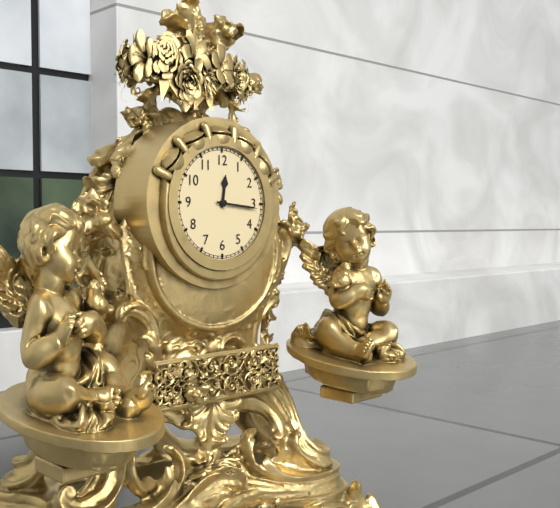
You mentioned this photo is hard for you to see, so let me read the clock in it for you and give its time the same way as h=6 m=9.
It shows h=12 m=16
